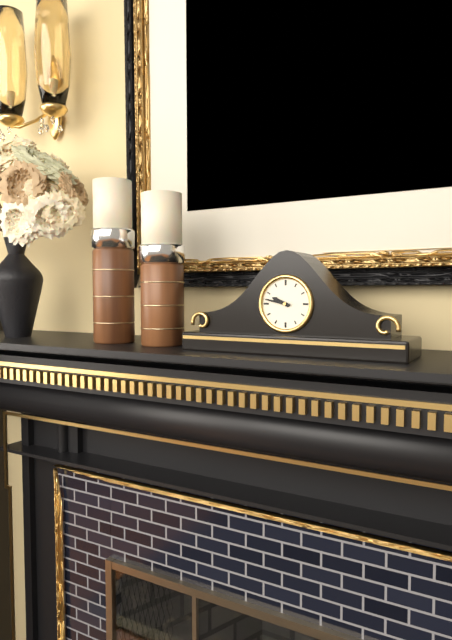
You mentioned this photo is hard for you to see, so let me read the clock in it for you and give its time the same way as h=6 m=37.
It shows h=9 m=47
